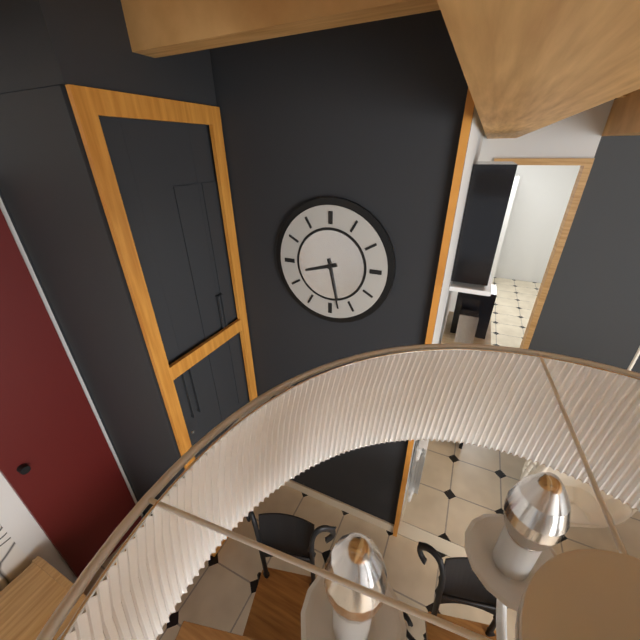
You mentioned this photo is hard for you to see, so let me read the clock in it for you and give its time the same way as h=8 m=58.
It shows h=8 m=28
